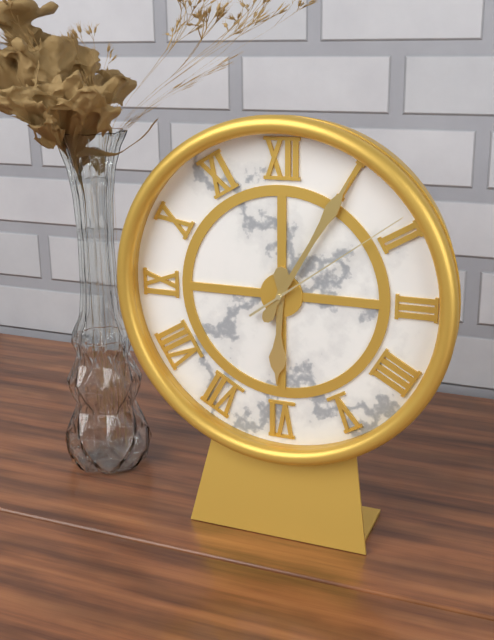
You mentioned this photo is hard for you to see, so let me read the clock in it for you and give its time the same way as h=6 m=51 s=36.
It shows h=6 m=5 s=9
